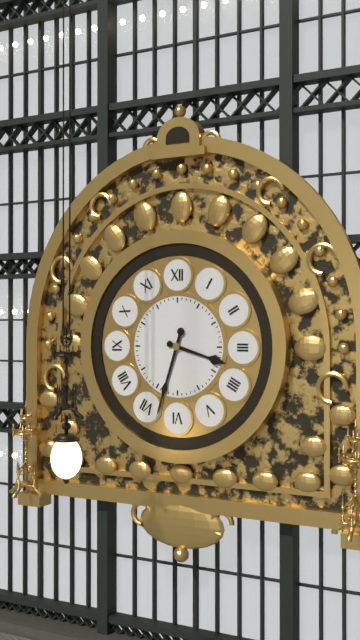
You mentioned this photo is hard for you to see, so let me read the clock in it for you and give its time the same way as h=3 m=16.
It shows h=3 m=33
